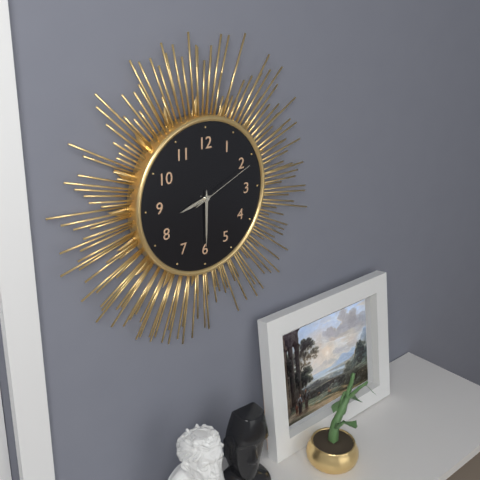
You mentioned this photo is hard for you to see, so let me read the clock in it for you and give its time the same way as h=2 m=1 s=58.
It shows h=8 m=30 s=11
